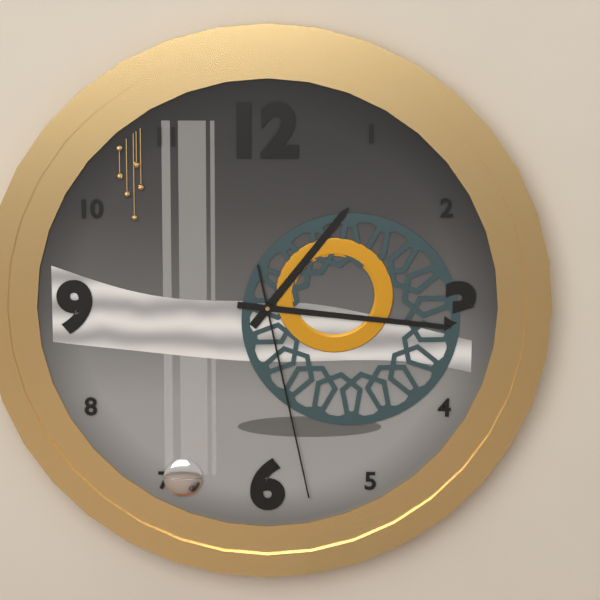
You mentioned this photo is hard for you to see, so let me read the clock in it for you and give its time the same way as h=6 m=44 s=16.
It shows h=1 m=16 s=28
